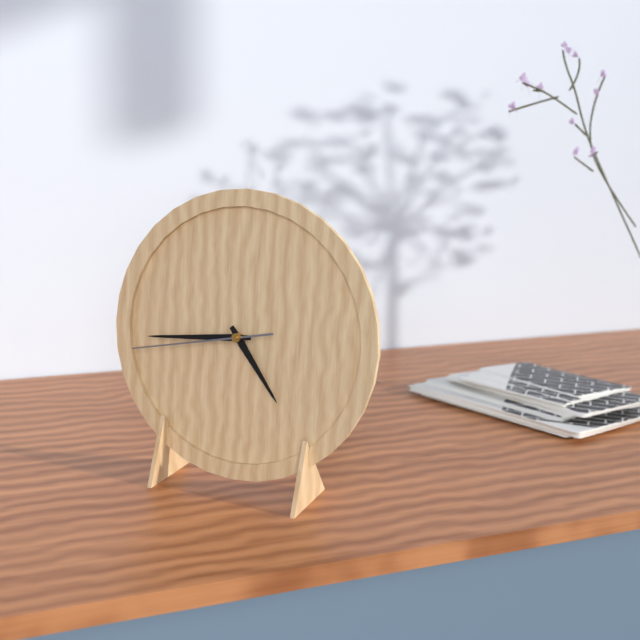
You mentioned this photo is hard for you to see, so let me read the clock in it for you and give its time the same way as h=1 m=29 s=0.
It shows h=4 m=44 s=43
